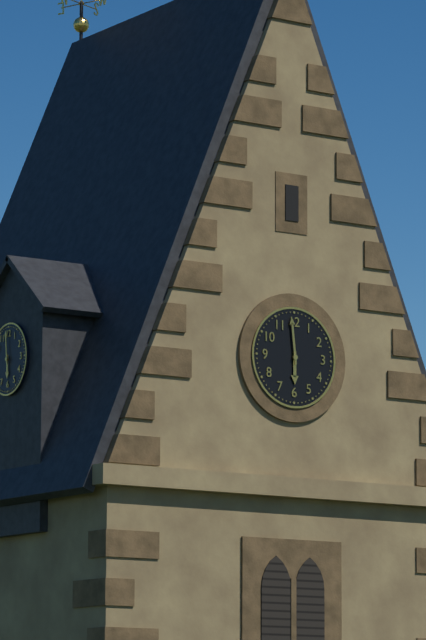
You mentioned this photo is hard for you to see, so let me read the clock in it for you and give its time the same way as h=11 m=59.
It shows h=5 m=59
